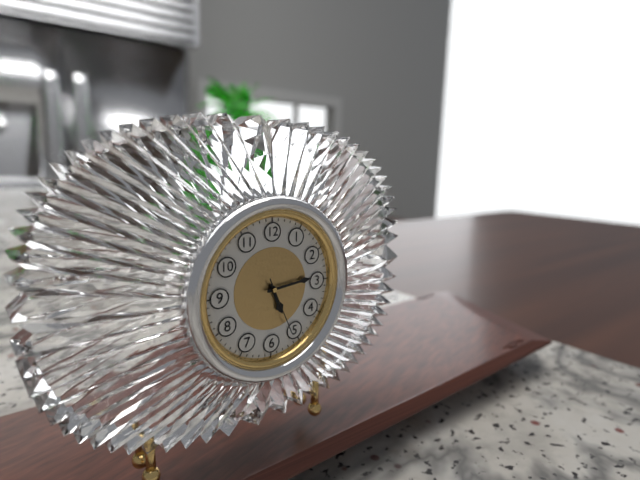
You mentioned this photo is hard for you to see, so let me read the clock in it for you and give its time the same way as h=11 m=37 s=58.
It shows h=5 m=14 s=26
